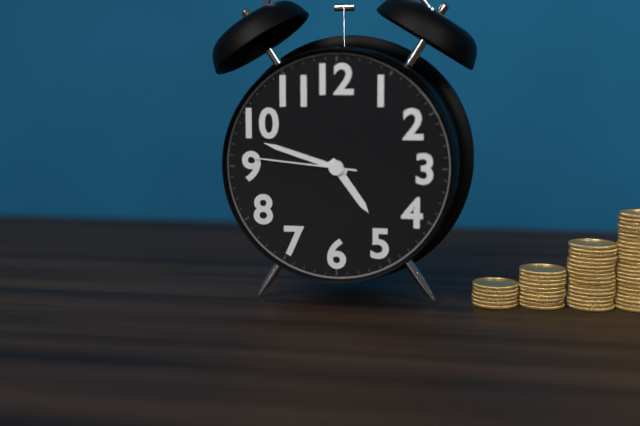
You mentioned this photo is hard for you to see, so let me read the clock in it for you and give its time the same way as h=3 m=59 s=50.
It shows h=4 m=48 s=46
